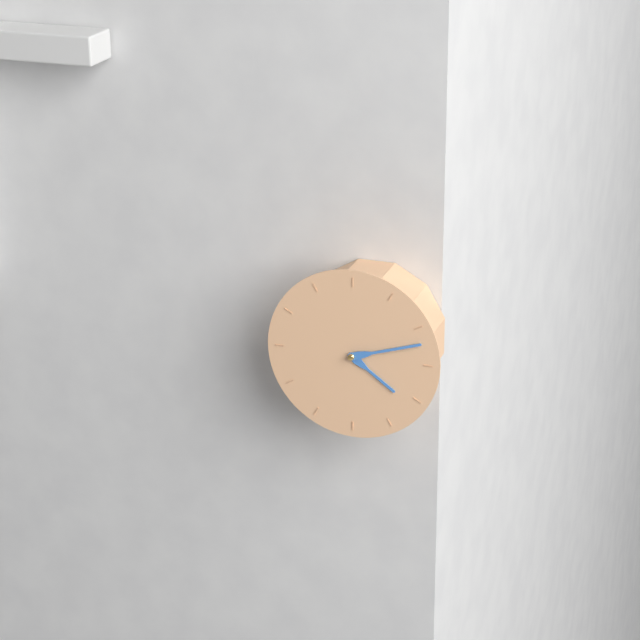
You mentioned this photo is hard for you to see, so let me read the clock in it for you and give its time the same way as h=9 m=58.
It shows h=4 m=12
